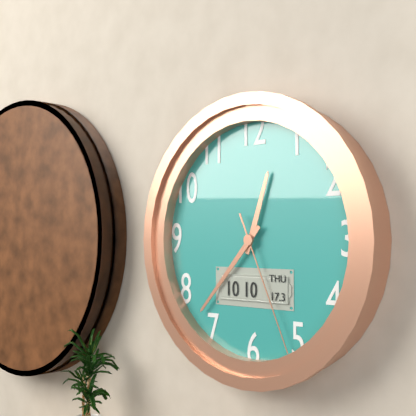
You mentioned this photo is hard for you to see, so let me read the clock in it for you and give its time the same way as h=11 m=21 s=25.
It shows h=12 m=37 s=26
